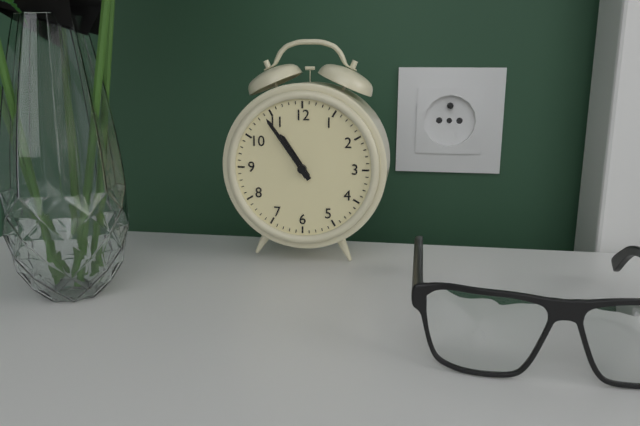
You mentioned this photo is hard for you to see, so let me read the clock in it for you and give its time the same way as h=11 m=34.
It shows h=10 m=54
